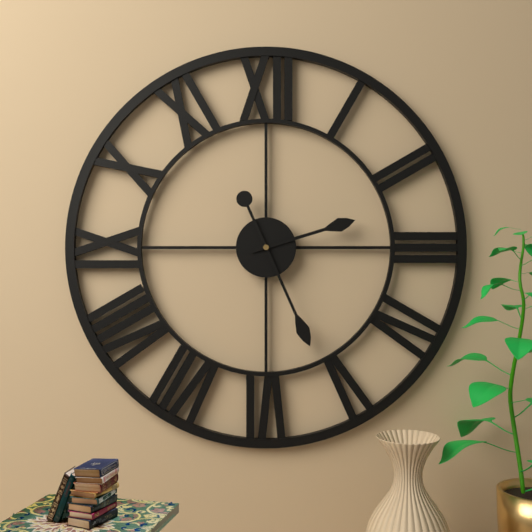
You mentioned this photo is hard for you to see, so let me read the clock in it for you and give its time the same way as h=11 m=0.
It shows h=2 m=26
